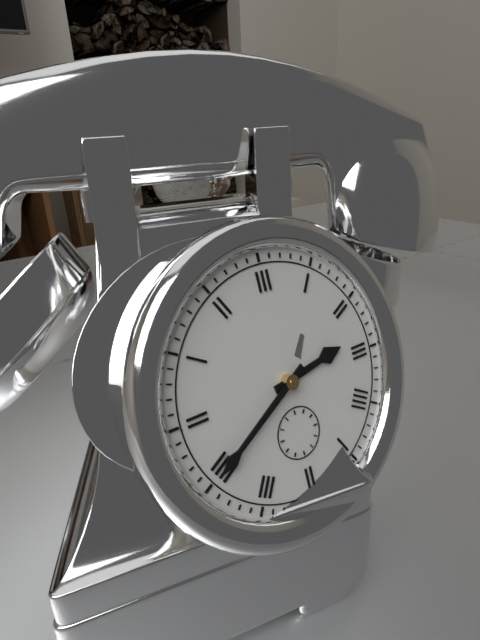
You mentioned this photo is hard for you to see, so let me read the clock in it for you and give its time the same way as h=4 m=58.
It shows h=2 m=40
